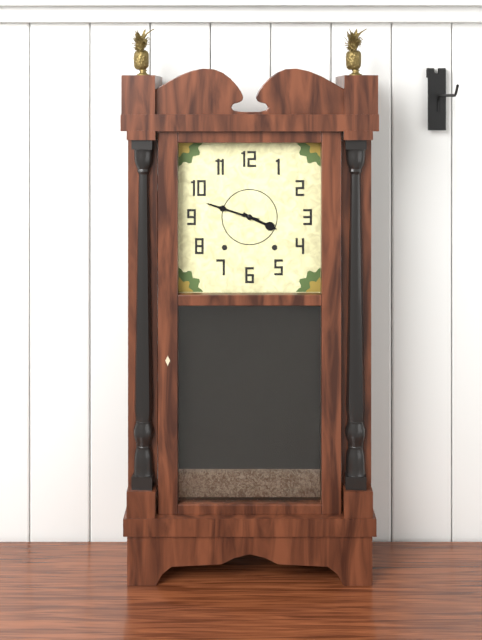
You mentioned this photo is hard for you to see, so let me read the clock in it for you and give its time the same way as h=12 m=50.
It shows h=3 m=48
